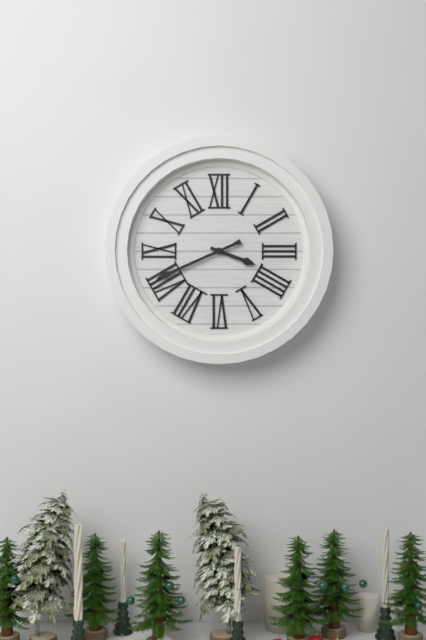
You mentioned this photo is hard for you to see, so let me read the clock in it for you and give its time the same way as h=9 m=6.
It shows h=3 m=41
